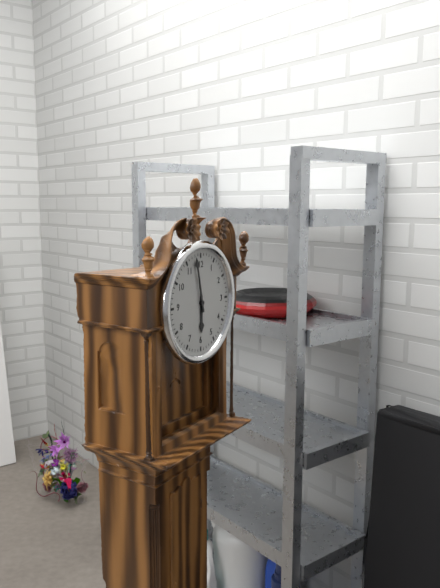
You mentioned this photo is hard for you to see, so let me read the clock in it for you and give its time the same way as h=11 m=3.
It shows h=5 m=58
